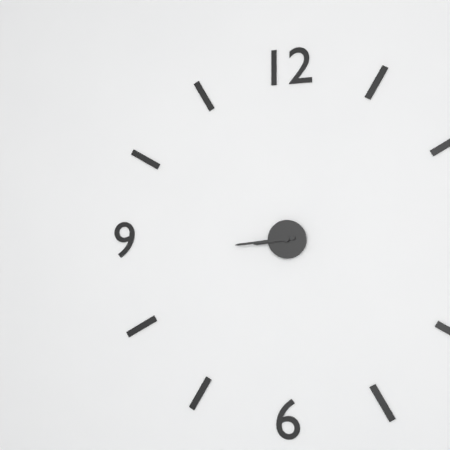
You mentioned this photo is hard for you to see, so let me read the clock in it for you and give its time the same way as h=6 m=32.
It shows h=8 m=44
